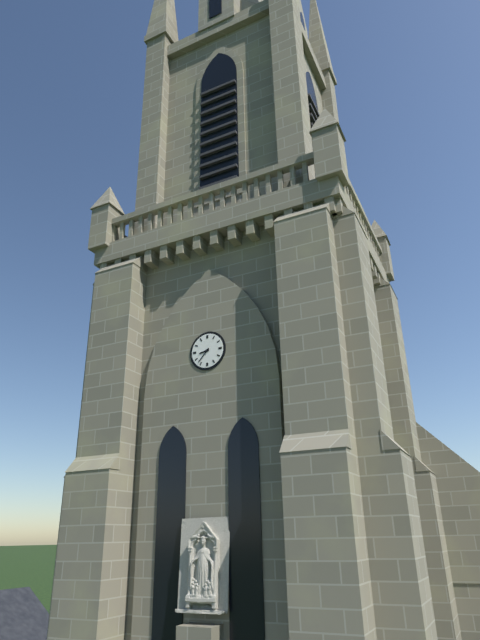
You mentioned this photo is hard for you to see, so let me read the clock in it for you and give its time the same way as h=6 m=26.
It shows h=8 m=37
